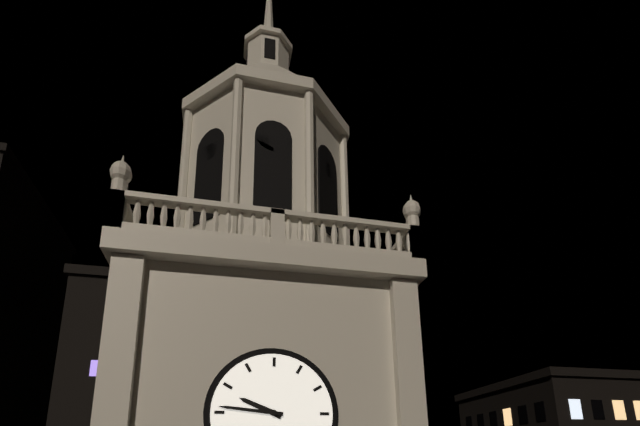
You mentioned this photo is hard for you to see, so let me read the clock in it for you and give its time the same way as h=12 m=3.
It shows h=9 m=46
